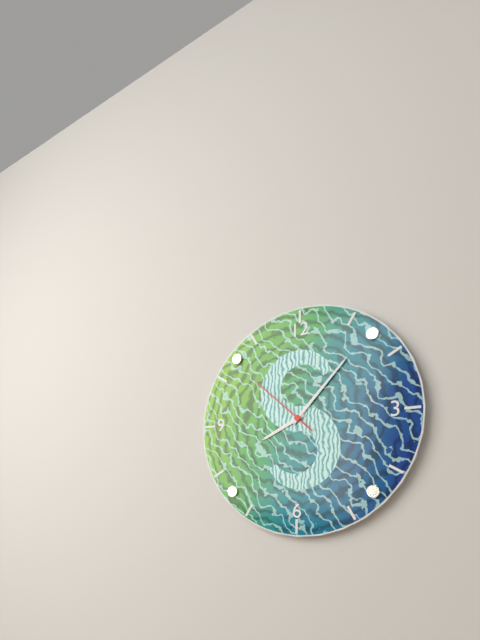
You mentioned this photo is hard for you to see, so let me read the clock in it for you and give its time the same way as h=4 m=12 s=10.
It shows h=8 m=7 s=52
